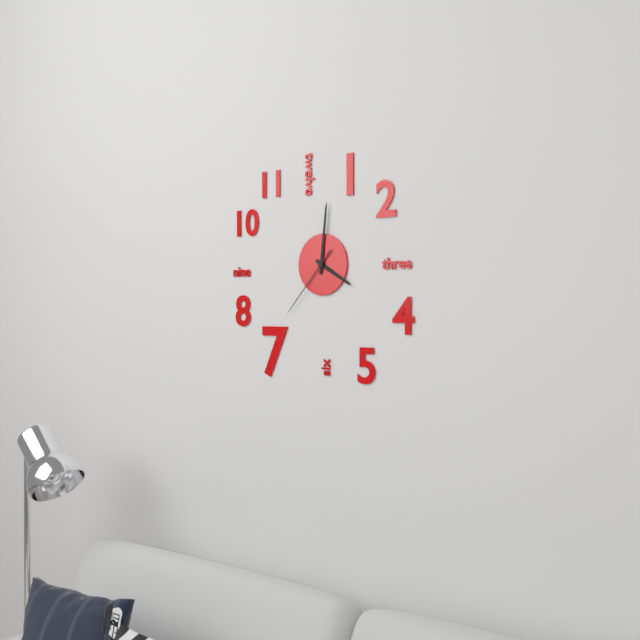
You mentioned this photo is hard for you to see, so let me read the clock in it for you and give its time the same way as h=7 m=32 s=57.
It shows h=4 m=1 s=37
